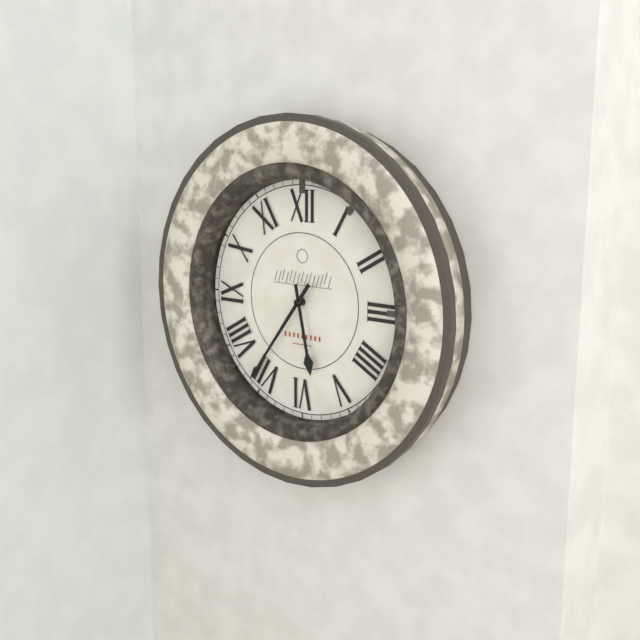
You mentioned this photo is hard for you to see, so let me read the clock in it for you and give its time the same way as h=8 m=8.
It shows h=5 m=36
